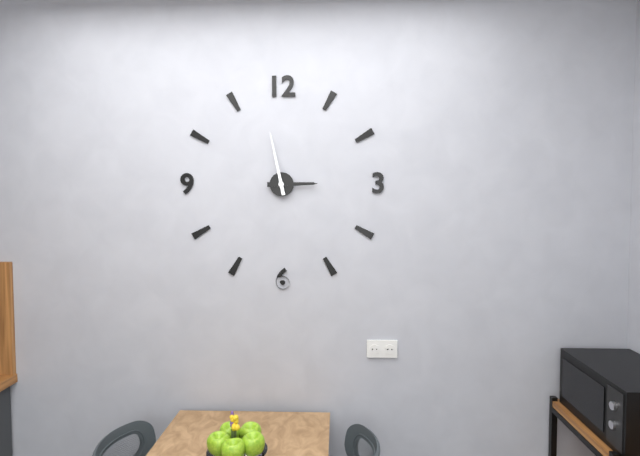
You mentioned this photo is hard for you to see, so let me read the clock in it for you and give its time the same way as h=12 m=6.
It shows h=2 m=58
